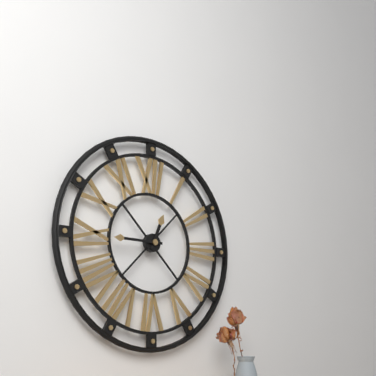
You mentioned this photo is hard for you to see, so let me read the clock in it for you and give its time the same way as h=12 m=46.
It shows h=12 m=45
